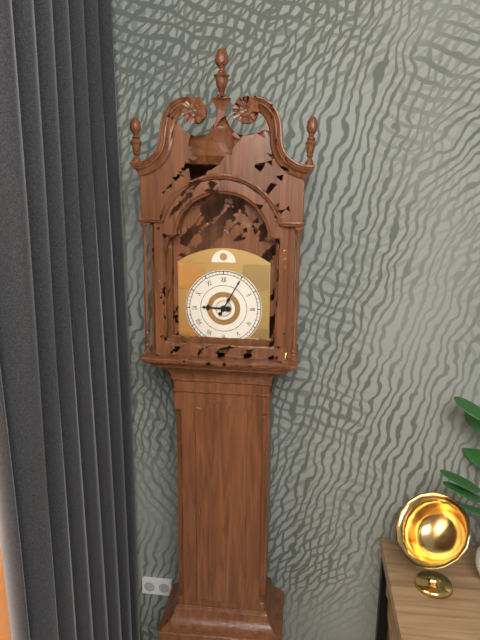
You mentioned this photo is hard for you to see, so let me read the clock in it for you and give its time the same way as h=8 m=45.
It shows h=9 m=5
